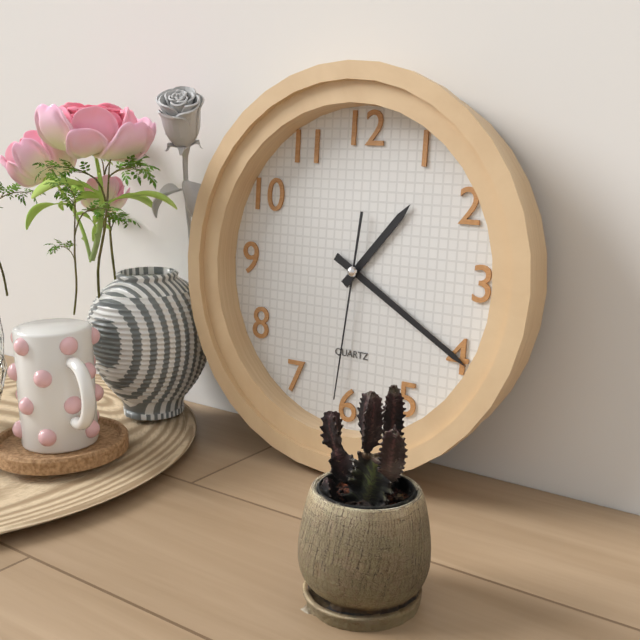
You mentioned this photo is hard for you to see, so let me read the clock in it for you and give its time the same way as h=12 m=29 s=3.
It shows h=1 m=20 s=31
